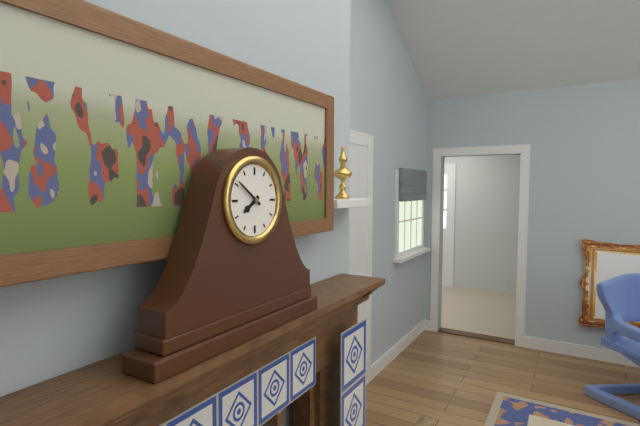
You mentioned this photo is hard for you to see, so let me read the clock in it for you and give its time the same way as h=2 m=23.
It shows h=7 m=51
